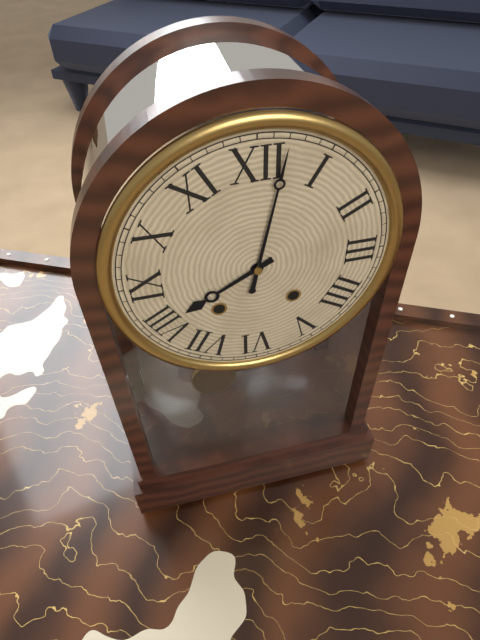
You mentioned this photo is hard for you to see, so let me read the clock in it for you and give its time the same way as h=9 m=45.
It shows h=8 m=2
